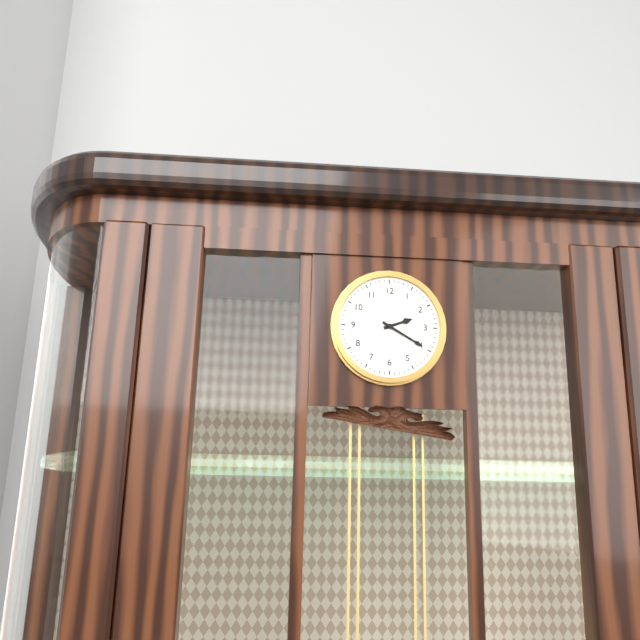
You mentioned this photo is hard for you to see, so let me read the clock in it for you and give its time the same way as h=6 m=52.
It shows h=2 m=20
